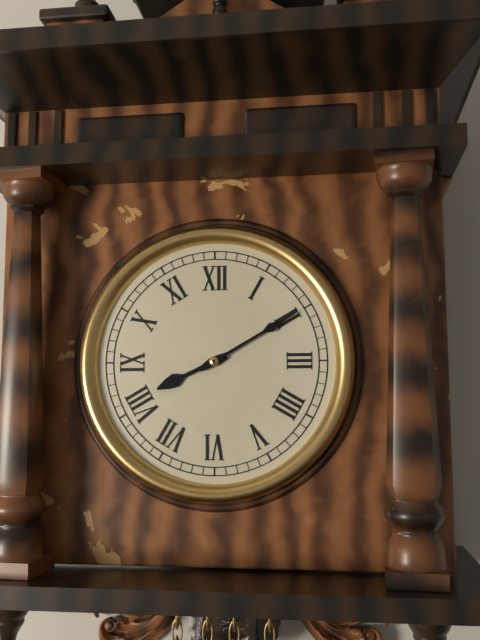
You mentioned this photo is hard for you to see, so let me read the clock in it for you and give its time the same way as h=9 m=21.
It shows h=8 m=10
